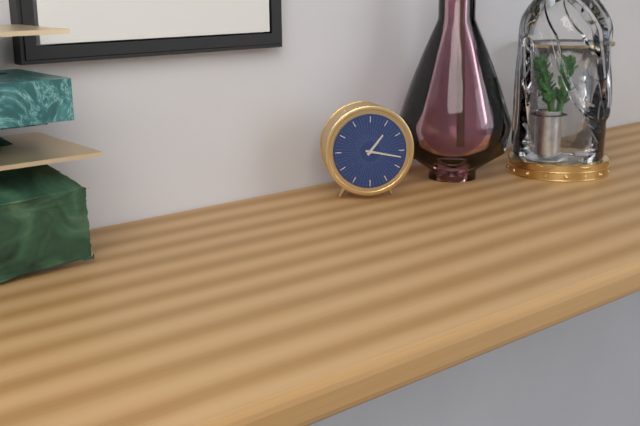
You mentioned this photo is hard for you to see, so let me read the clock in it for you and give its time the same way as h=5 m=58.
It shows h=1 m=17
